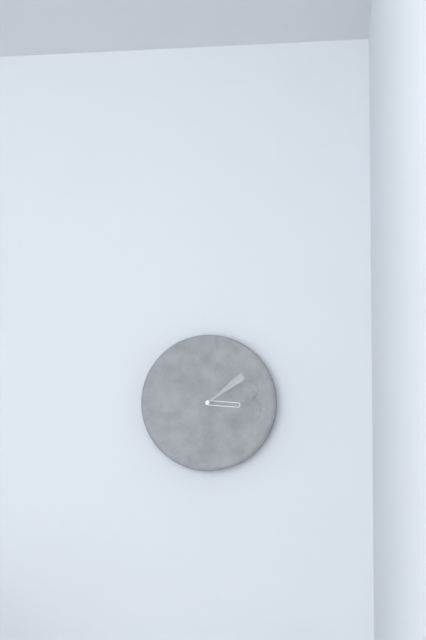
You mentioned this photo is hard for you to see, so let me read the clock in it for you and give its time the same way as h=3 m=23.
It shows h=3 m=9
